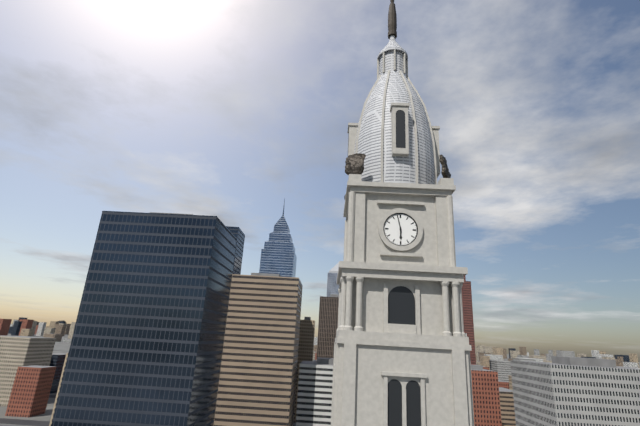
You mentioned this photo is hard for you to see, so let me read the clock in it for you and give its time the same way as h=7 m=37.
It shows h=5 m=58
